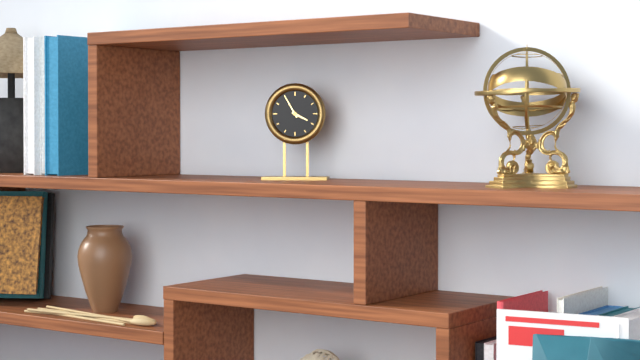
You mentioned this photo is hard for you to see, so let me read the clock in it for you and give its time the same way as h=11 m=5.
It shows h=3 m=55
